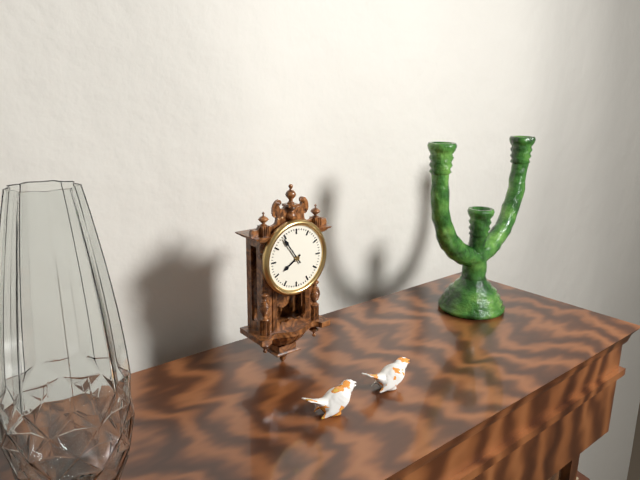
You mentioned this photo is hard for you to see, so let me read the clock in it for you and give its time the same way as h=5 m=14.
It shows h=7 m=54
